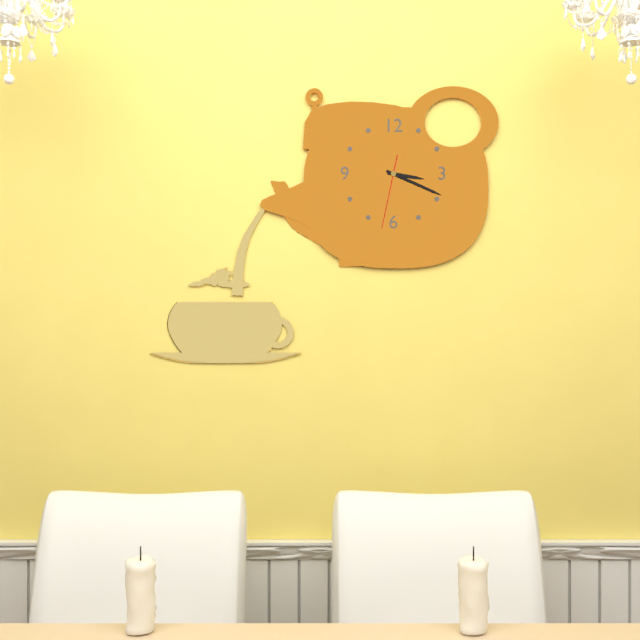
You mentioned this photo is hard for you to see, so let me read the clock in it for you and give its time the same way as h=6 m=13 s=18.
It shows h=3 m=19 s=32
